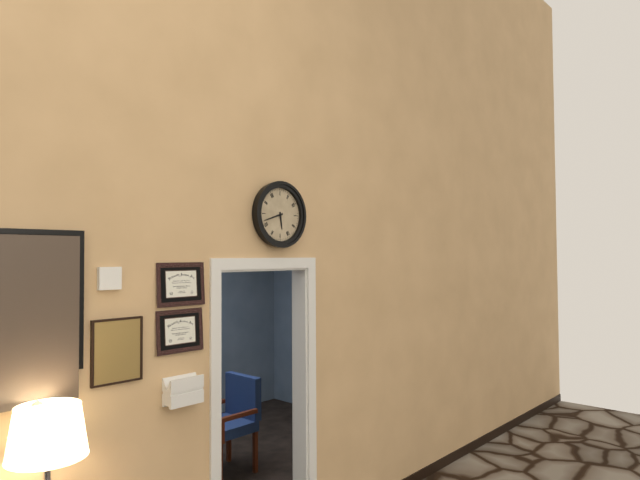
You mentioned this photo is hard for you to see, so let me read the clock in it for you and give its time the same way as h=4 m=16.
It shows h=5 m=42
